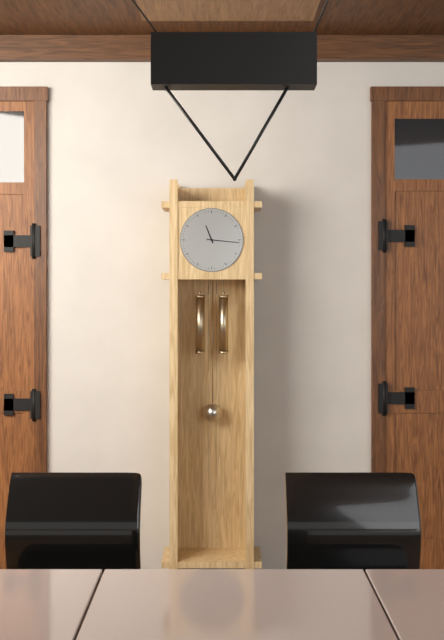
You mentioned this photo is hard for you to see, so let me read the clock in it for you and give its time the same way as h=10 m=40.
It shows h=11 m=16
